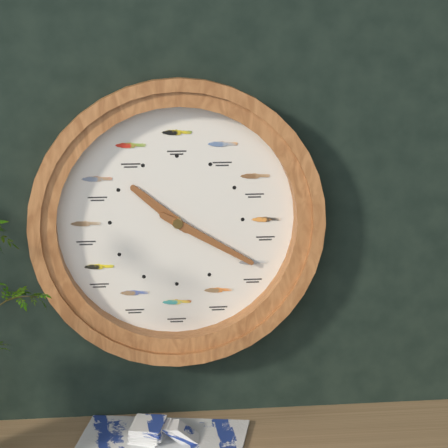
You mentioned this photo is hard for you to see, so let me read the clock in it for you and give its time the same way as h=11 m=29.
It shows h=10 m=20
